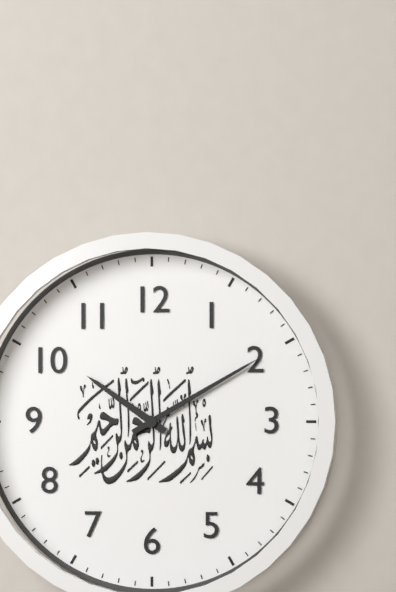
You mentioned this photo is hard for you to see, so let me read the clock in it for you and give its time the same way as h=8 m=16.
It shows h=10 m=10
